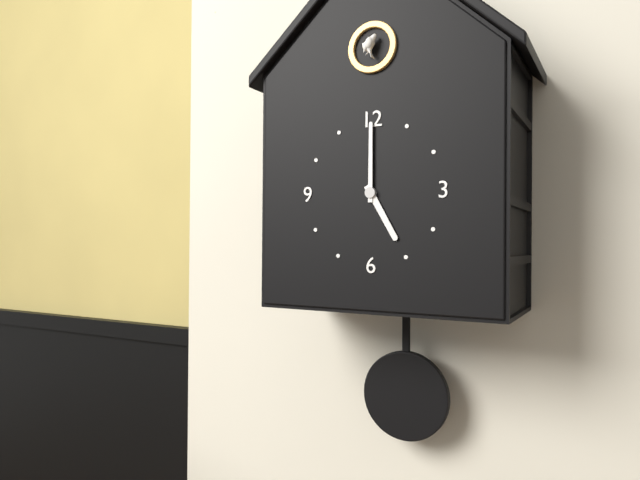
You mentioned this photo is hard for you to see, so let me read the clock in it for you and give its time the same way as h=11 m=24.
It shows h=5 m=0
